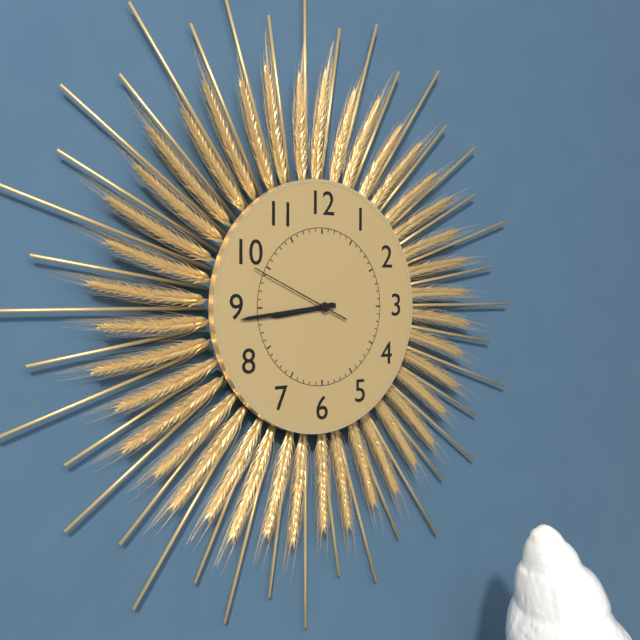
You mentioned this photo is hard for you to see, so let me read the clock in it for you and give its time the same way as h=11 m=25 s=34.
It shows h=8 m=44 s=49
